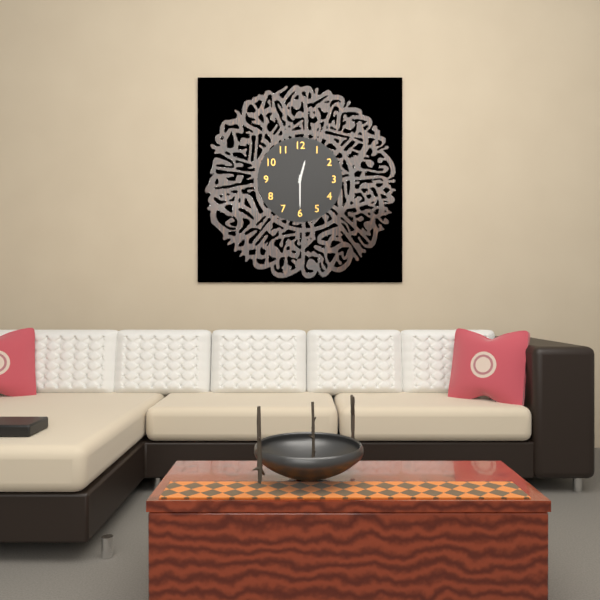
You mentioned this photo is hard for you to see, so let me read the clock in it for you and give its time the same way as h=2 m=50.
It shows h=12 m=30
